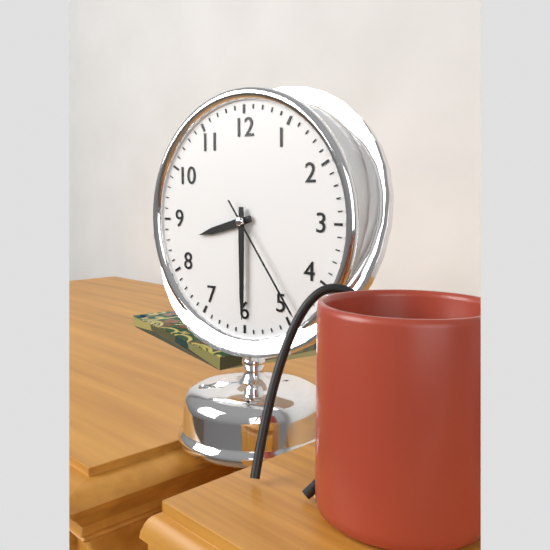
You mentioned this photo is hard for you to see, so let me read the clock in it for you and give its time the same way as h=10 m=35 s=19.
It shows h=8 m=30 s=24
